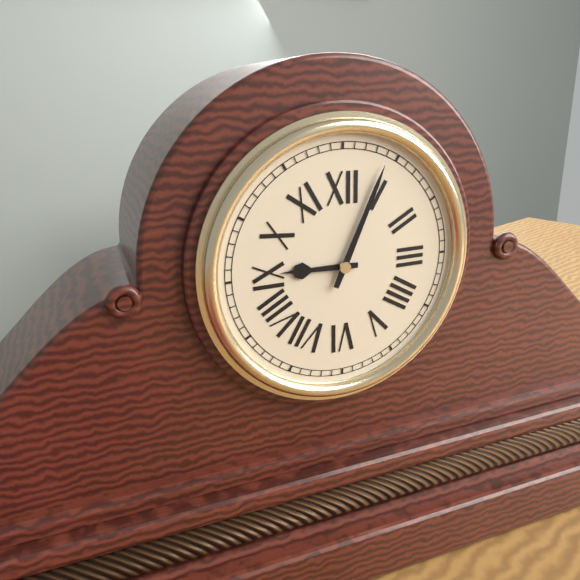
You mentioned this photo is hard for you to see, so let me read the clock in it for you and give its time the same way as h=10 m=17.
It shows h=9 m=4
